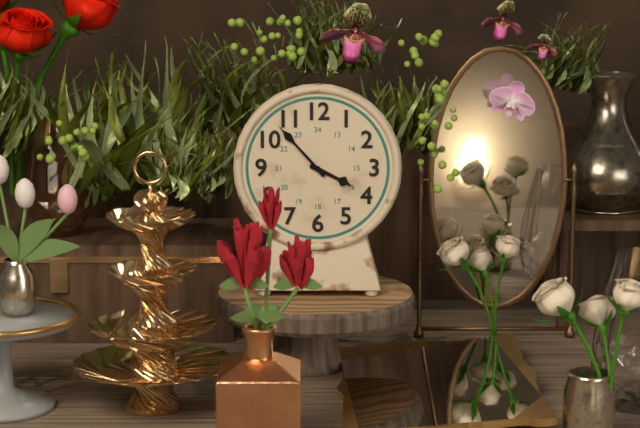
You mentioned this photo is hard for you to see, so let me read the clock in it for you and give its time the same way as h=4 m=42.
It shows h=3 m=53
